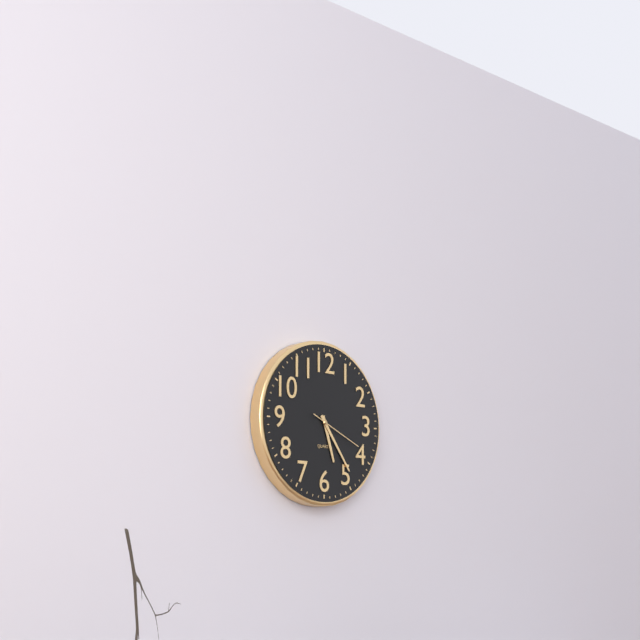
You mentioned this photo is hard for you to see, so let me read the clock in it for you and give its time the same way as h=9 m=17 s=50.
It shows h=5 m=24 s=19
